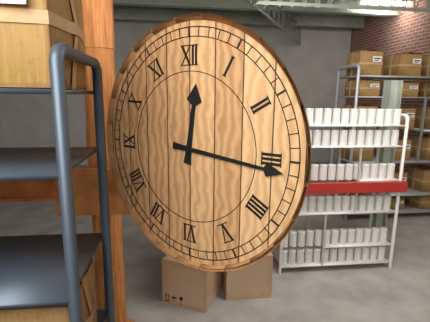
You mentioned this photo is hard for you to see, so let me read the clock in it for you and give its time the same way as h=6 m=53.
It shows h=12 m=16
